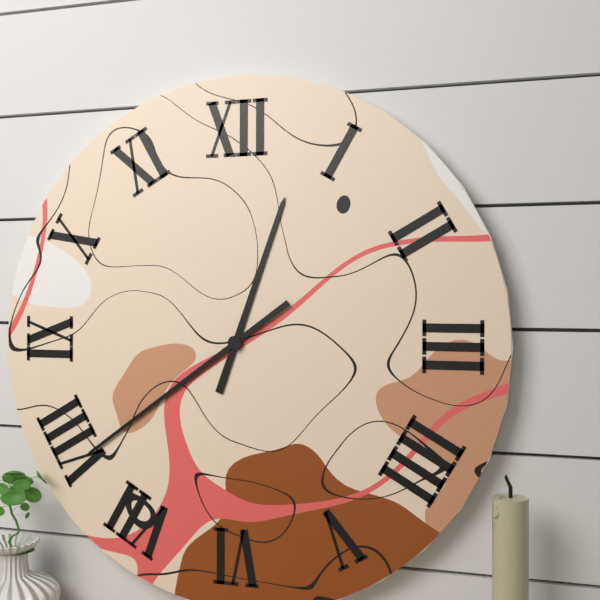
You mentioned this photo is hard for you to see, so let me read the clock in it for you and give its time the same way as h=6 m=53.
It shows h=12 m=39
